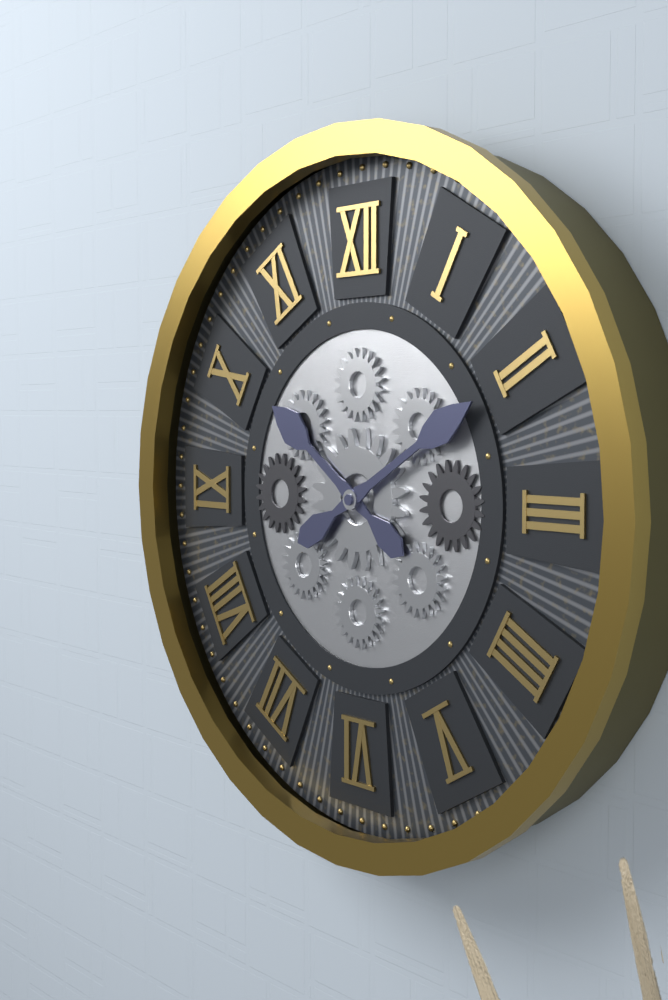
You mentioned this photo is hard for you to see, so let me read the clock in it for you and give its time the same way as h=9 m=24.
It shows h=10 m=10
